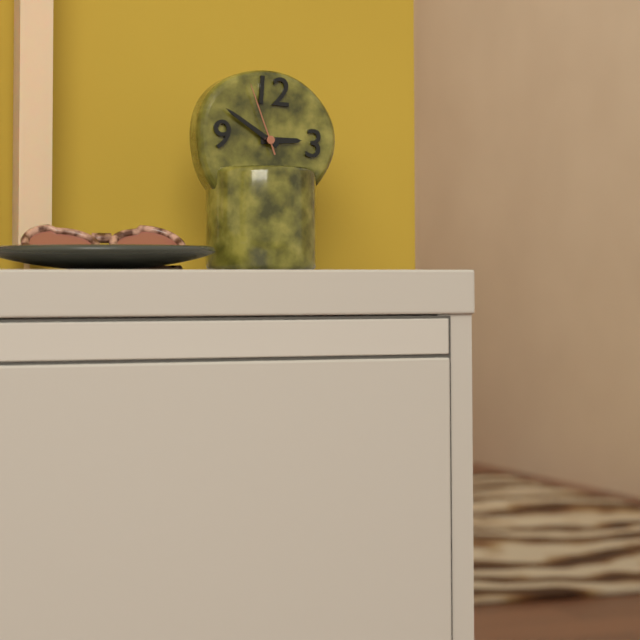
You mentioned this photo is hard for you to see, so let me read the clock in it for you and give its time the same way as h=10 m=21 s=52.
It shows h=2 m=50 s=56
